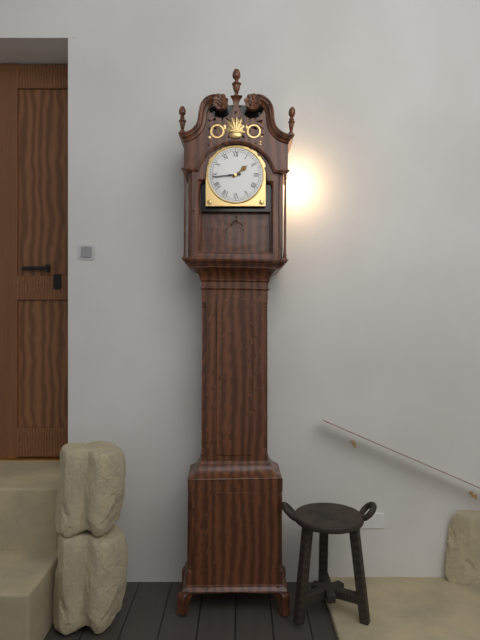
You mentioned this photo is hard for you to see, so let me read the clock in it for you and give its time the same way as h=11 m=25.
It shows h=1 m=44
